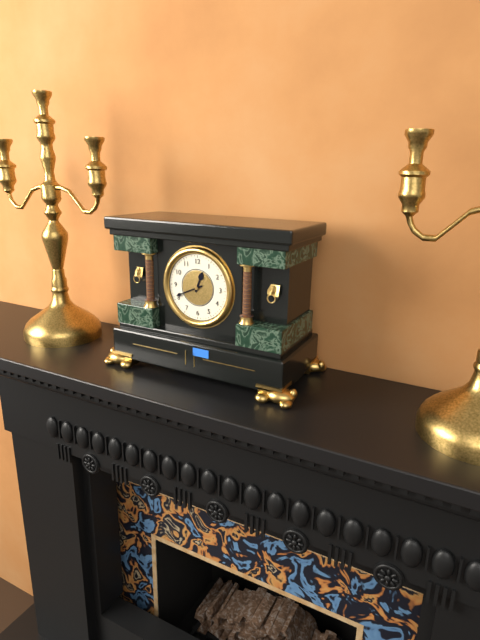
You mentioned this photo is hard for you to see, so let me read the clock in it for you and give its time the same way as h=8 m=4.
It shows h=12 m=41
